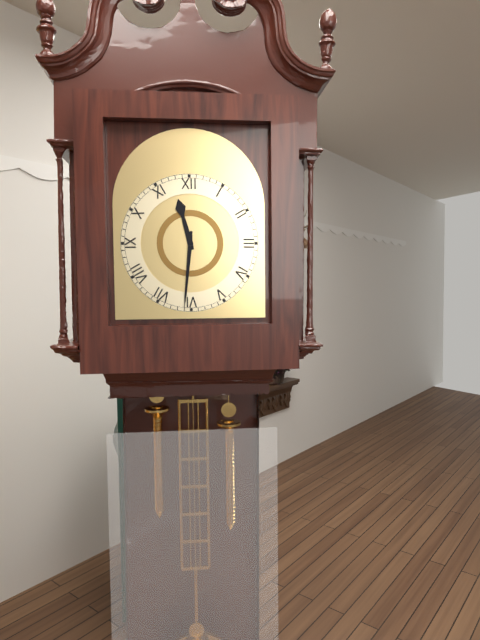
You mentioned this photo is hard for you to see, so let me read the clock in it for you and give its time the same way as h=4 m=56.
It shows h=11 m=31
